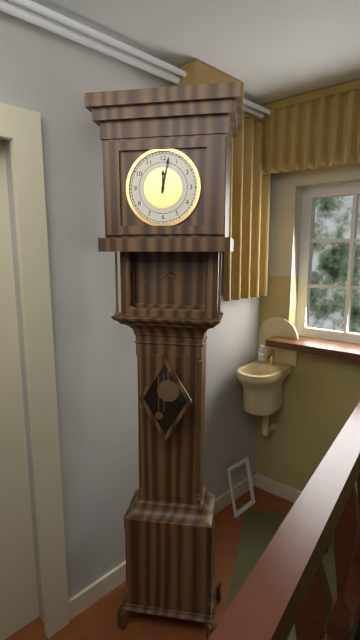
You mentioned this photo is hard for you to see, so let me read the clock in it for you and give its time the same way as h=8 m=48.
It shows h=12 m=2
